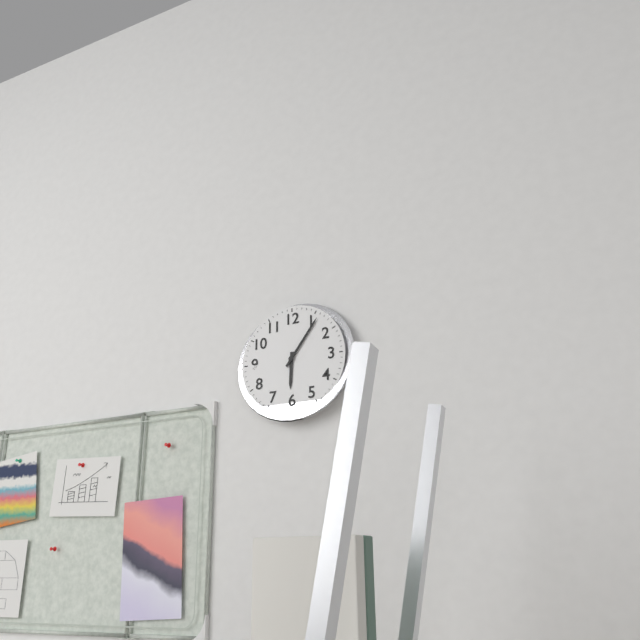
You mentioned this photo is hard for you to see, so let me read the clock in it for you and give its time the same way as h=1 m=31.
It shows h=6 m=6
